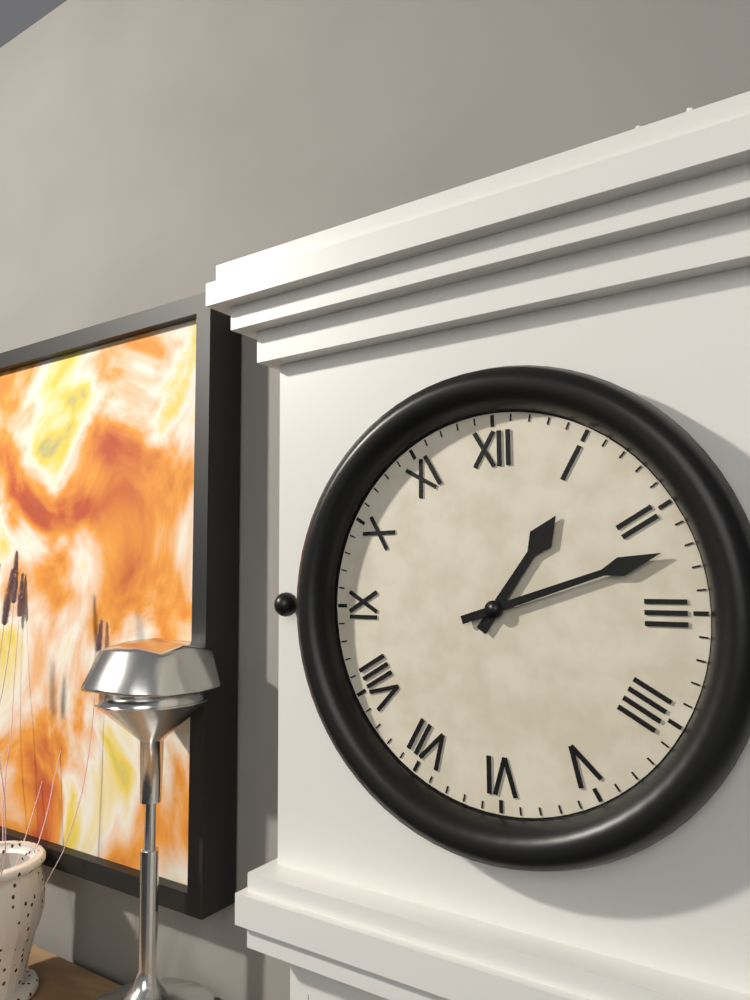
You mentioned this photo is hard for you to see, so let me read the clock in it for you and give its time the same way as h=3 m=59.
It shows h=1 m=12
